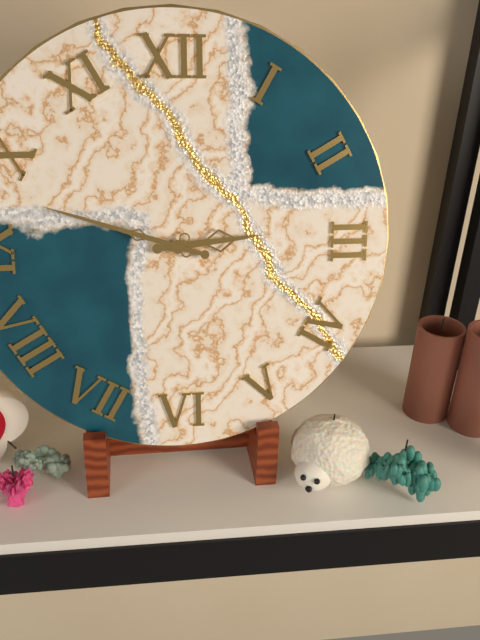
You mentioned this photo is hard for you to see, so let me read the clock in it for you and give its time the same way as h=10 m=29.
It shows h=2 m=48
